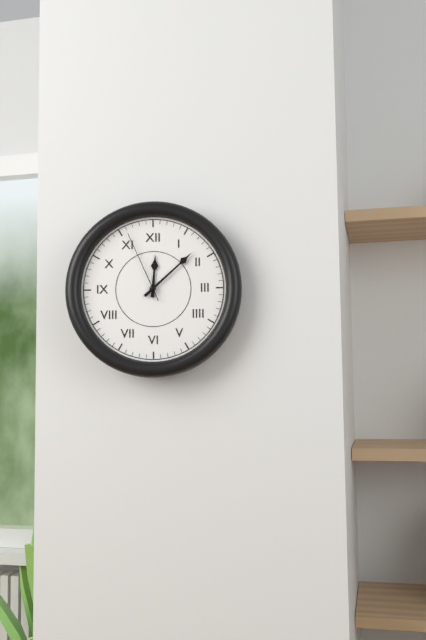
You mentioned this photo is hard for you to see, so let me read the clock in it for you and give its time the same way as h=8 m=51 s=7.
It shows h=12 m=8 s=56
